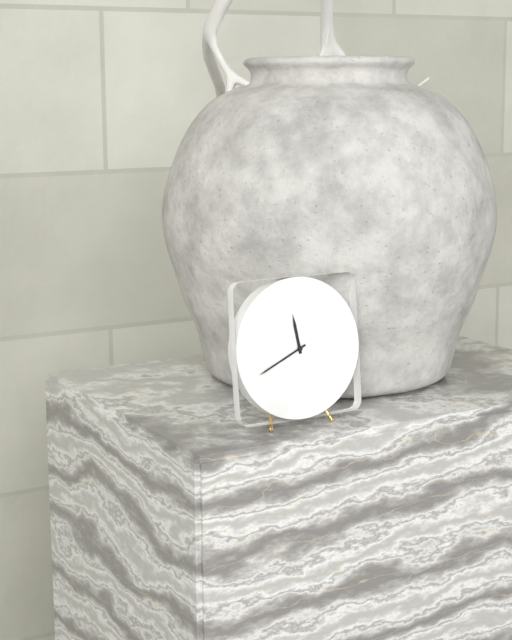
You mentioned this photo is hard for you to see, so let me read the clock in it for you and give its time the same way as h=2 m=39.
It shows h=11 m=41
